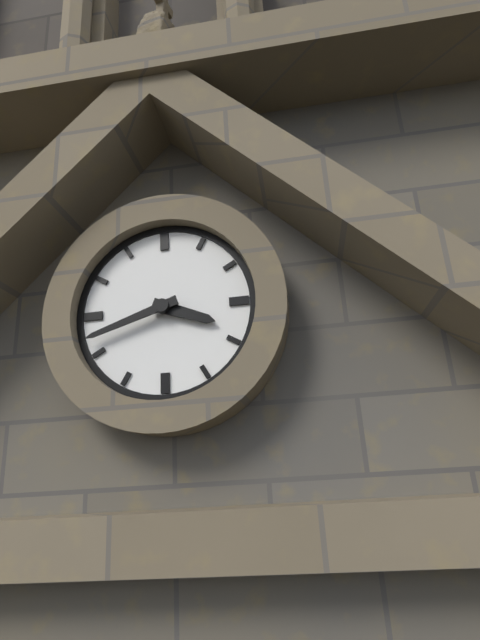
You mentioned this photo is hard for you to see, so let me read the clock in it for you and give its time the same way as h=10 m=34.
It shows h=3 m=42
